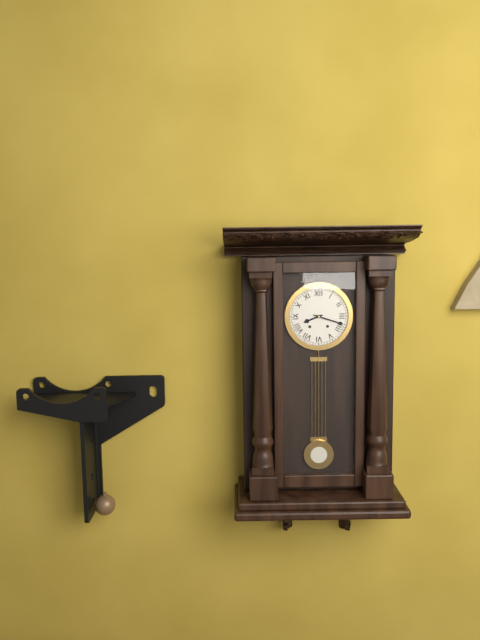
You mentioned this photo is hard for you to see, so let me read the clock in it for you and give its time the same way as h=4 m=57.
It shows h=8 m=18
